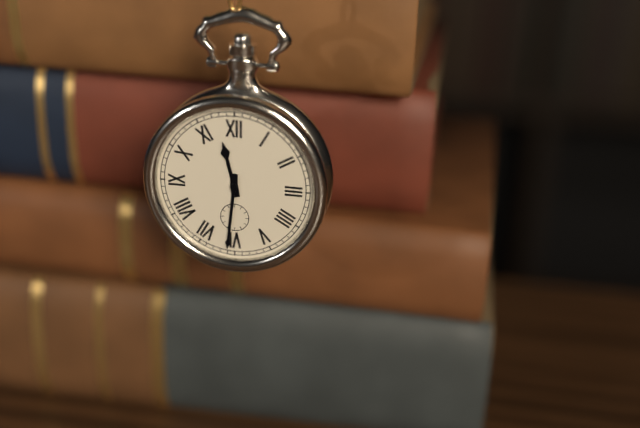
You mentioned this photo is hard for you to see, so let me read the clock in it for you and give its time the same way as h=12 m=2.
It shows h=11 m=31
